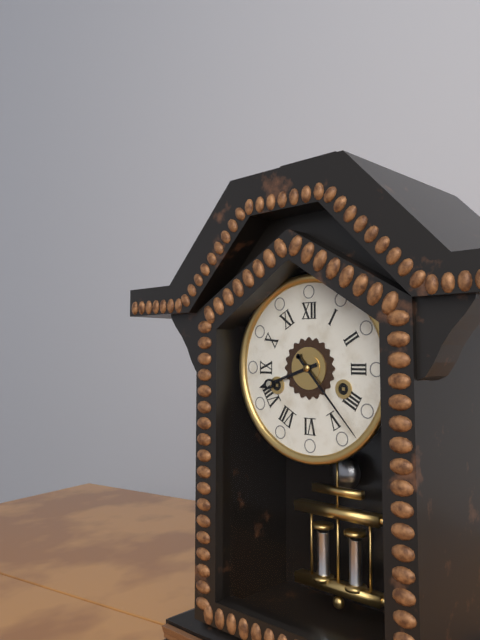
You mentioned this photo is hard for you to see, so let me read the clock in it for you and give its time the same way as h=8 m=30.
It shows h=8 m=23
